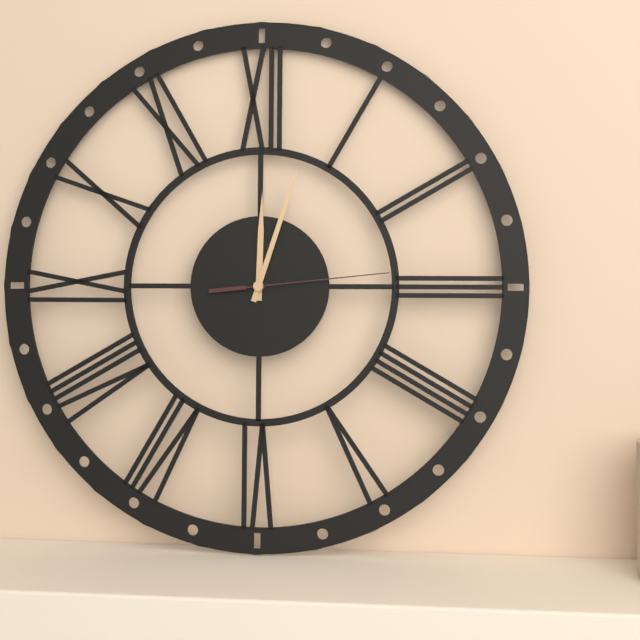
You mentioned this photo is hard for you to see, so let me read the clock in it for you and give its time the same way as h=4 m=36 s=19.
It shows h=12 m=3 s=14
